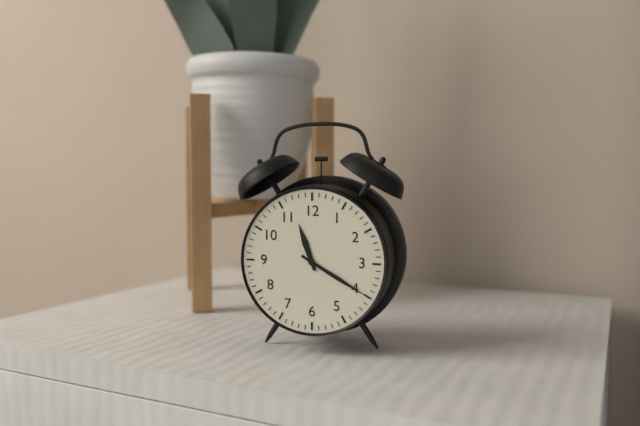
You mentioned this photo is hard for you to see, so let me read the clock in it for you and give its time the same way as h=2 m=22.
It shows h=11 m=20
